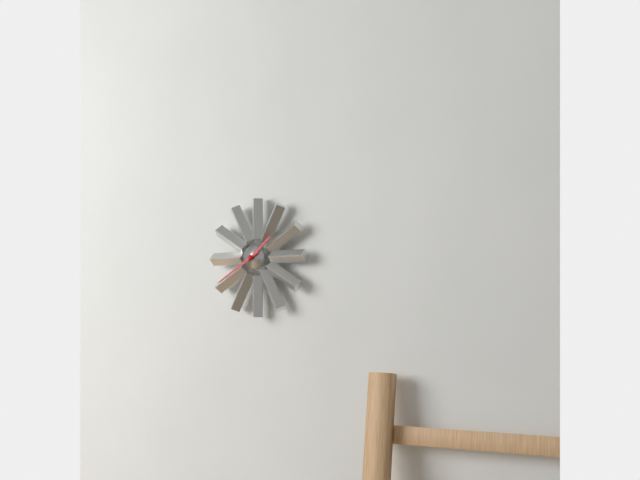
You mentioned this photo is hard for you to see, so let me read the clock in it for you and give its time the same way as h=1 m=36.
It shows h=1 m=40
